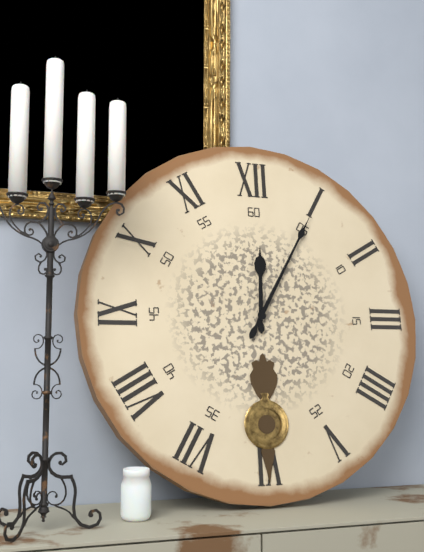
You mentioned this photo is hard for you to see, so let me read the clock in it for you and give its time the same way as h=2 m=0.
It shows h=12 m=5
